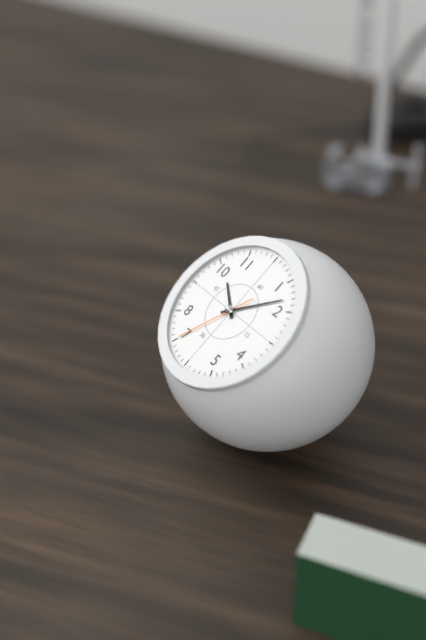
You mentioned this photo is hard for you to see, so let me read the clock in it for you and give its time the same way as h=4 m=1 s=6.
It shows h=10 m=8 s=35
